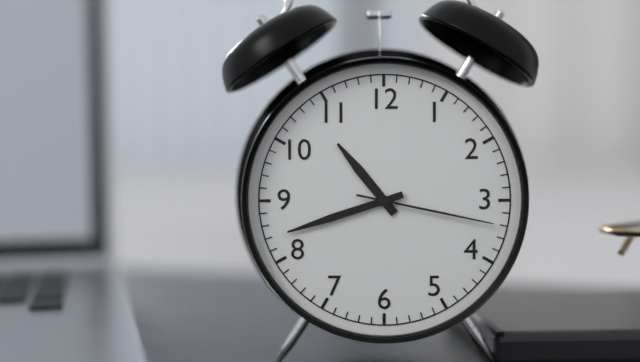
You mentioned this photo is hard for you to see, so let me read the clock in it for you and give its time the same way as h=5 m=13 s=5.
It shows h=10 m=42 s=17
